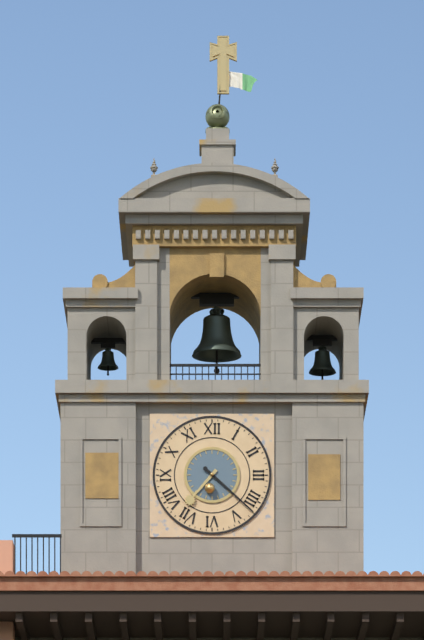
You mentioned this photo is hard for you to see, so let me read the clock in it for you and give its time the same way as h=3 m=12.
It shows h=7 m=22
